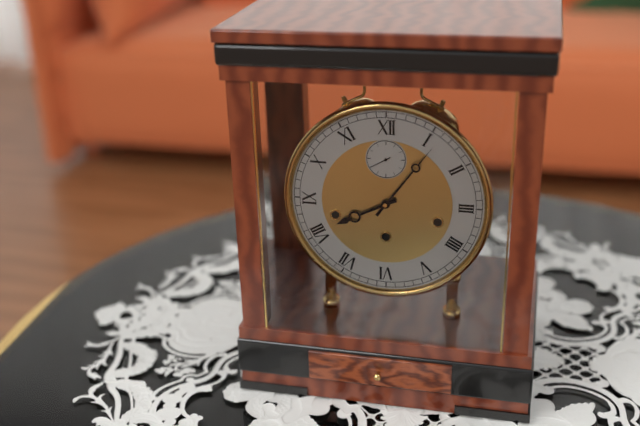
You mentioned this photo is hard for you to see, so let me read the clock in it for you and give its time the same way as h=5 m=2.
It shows h=8 m=6
